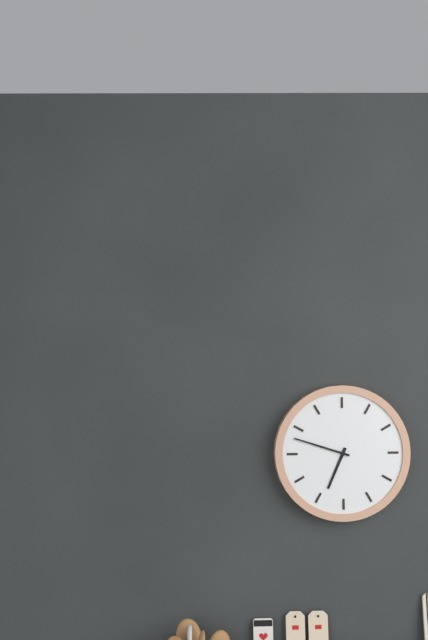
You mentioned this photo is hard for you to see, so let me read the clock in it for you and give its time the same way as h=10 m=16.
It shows h=6 m=48
